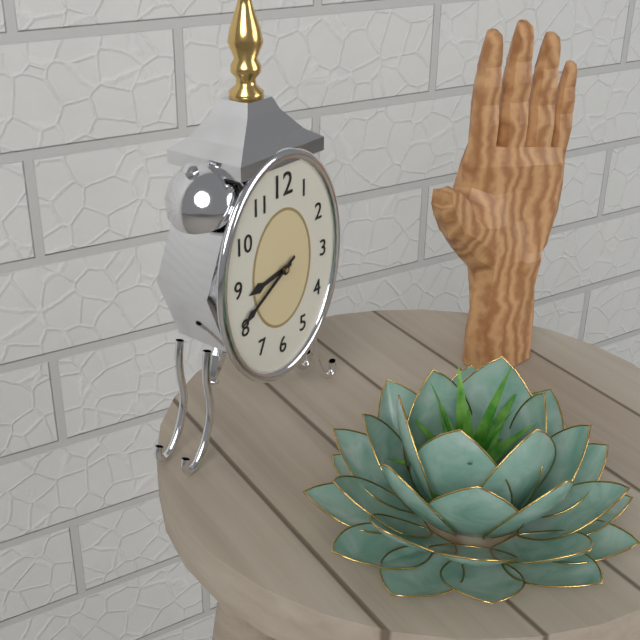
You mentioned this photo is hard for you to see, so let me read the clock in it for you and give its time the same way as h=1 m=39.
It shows h=8 m=40
